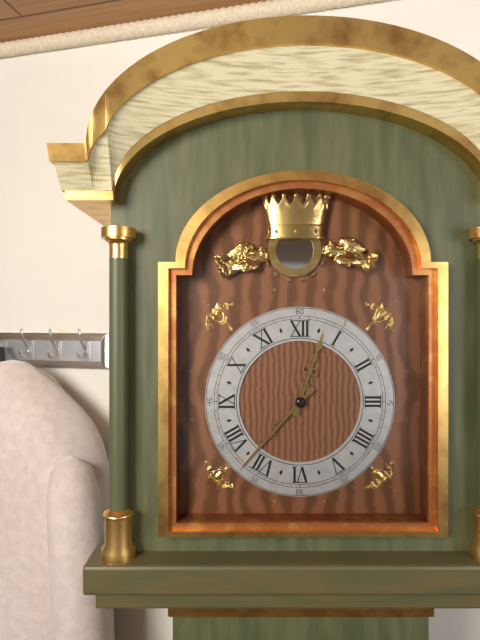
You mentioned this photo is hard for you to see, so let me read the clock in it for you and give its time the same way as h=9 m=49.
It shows h=12 m=37
